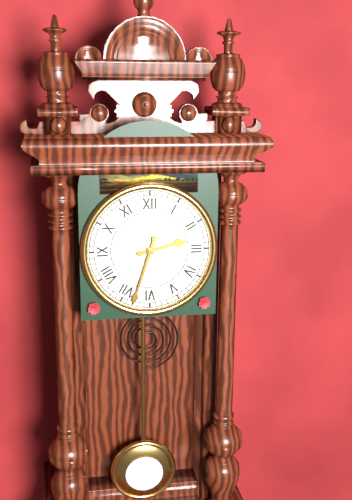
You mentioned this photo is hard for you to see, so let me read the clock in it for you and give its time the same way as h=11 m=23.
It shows h=2 m=33
